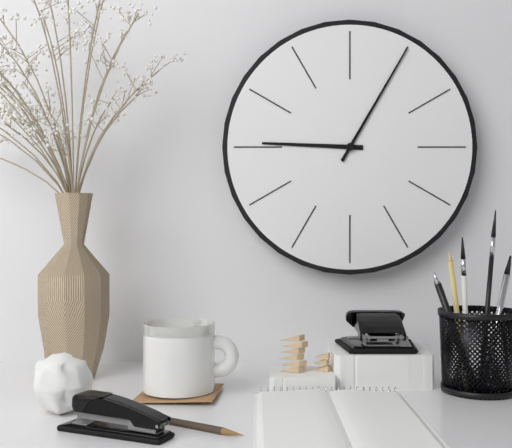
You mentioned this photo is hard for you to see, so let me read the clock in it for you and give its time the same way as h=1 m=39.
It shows h=9 m=5
